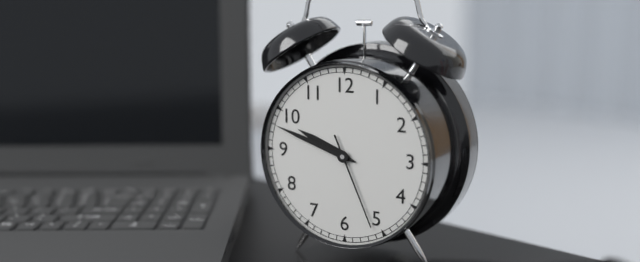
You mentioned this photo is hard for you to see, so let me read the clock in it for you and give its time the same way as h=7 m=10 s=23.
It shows h=9 m=48 s=26
